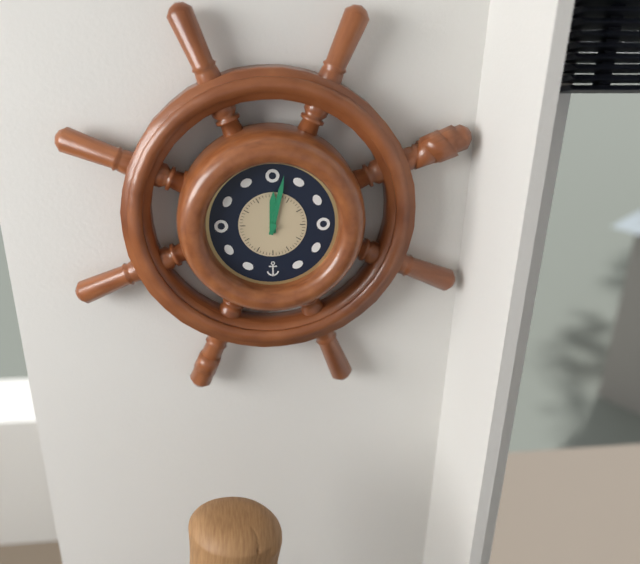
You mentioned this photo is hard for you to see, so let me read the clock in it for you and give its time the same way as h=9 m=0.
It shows h=12 m=2
